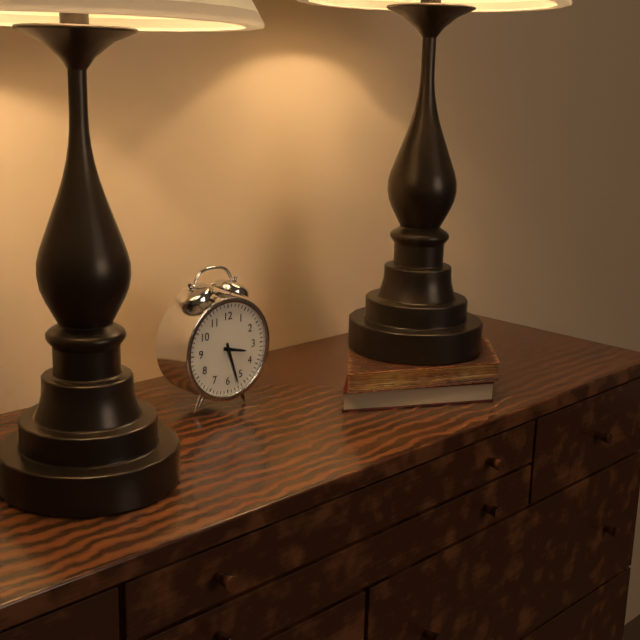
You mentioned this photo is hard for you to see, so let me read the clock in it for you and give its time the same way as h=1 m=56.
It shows h=3 m=27
